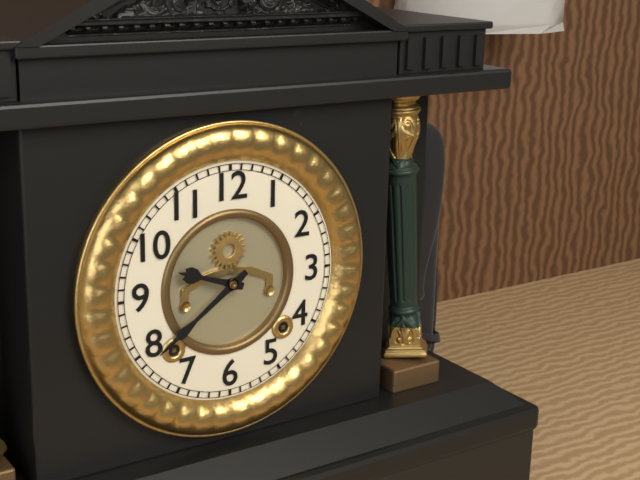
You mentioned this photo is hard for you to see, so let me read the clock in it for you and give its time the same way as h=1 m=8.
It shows h=9 m=39
